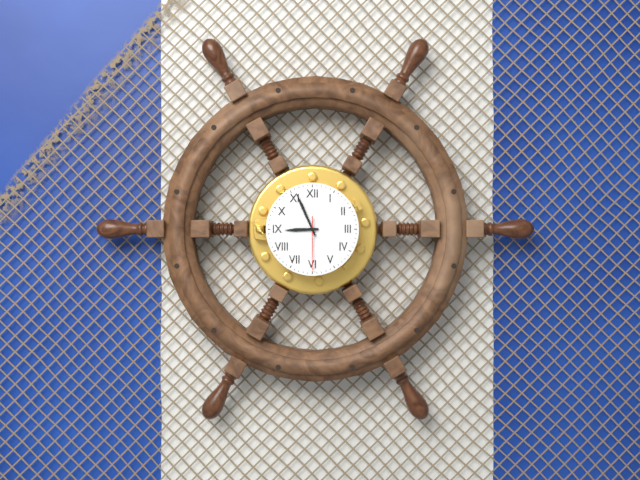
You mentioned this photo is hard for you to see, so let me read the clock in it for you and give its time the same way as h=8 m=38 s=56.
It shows h=8 m=56 s=30
